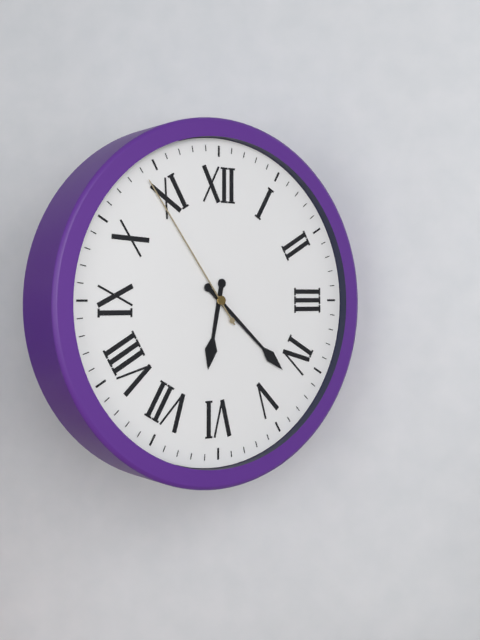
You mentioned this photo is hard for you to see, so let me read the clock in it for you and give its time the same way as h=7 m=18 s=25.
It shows h=6 m=22 s=54
